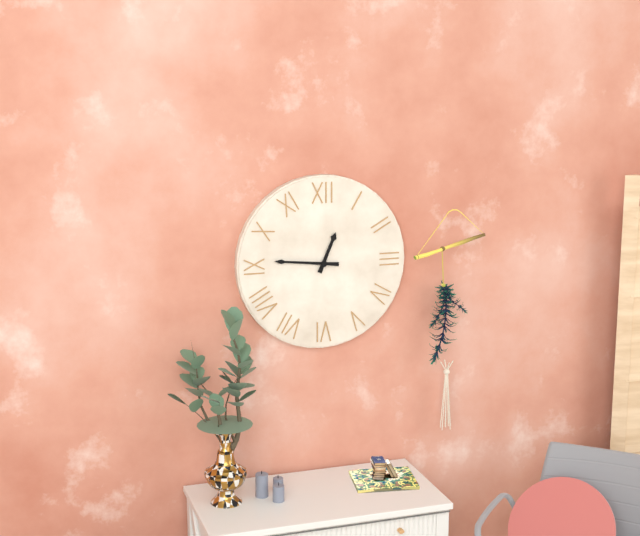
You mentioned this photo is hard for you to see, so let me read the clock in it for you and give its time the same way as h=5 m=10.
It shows h=12 m=46
